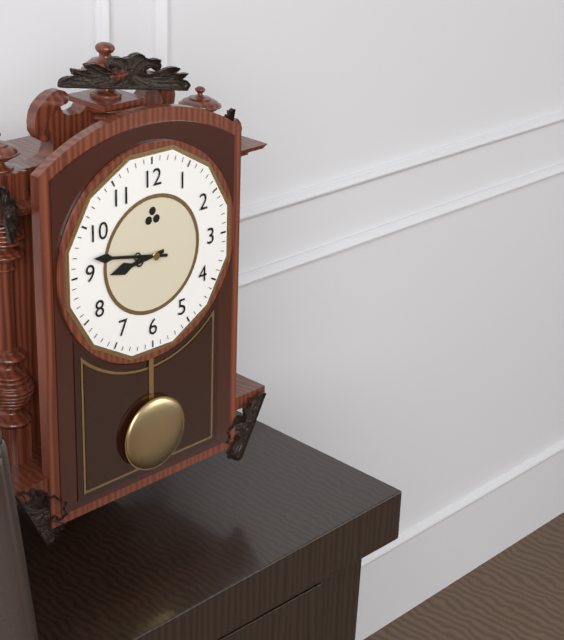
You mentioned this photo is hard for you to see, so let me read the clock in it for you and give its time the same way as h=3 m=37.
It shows h=8 m=47
